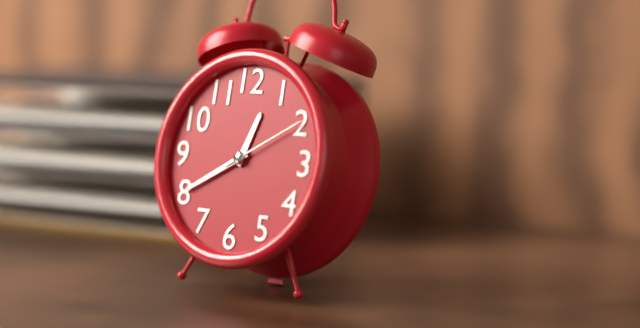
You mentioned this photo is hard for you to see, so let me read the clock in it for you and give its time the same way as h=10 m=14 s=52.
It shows h=12 m=40 s=10
